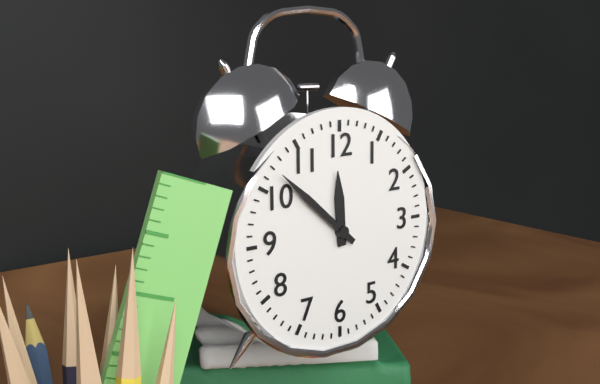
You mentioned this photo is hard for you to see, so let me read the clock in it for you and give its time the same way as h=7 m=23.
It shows h=11 m=52
